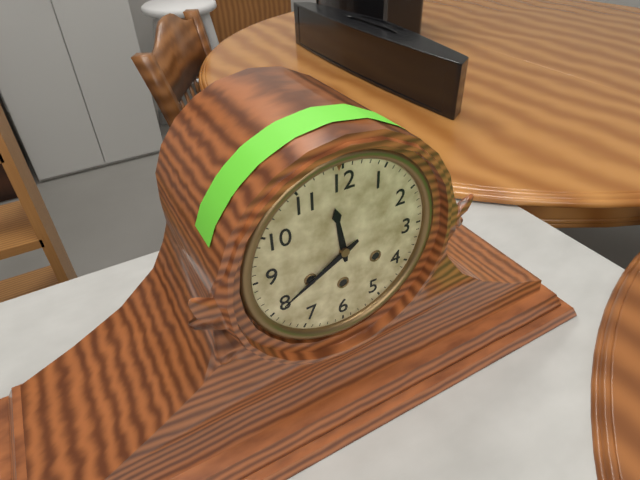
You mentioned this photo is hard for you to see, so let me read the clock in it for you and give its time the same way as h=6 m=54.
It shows h=11 m=40
